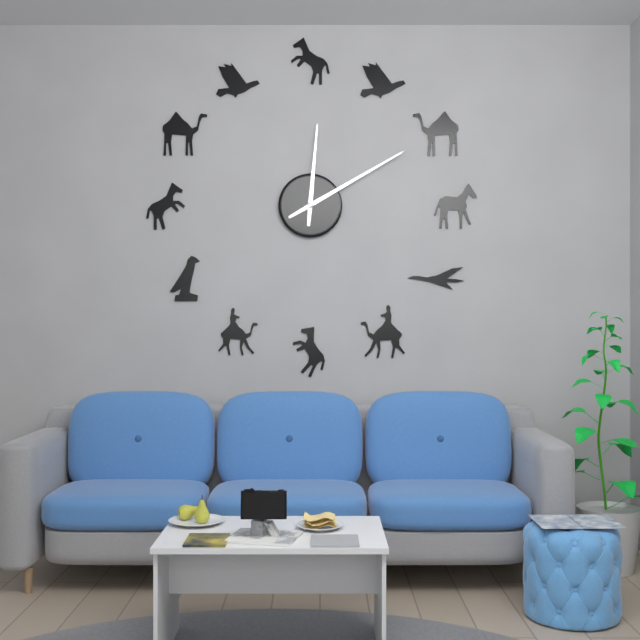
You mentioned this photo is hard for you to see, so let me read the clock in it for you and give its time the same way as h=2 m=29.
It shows h=12 m=10
